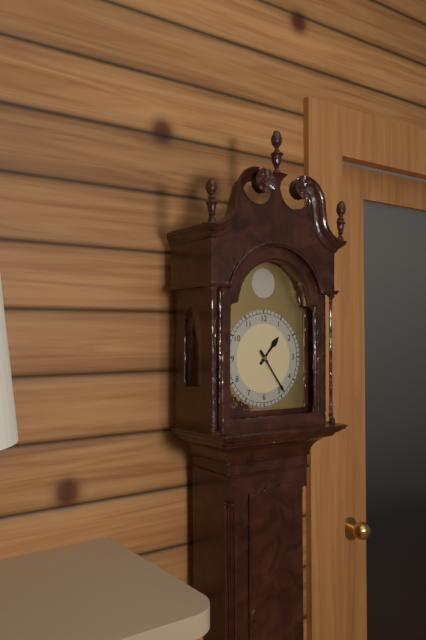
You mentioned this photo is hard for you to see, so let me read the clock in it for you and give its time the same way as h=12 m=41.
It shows h=1 m=24
